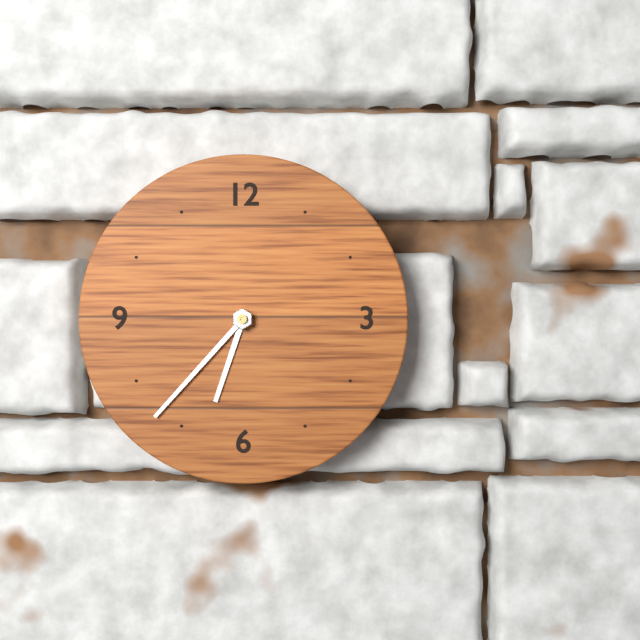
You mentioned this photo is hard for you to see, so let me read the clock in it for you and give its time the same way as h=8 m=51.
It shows h=6 m=37
